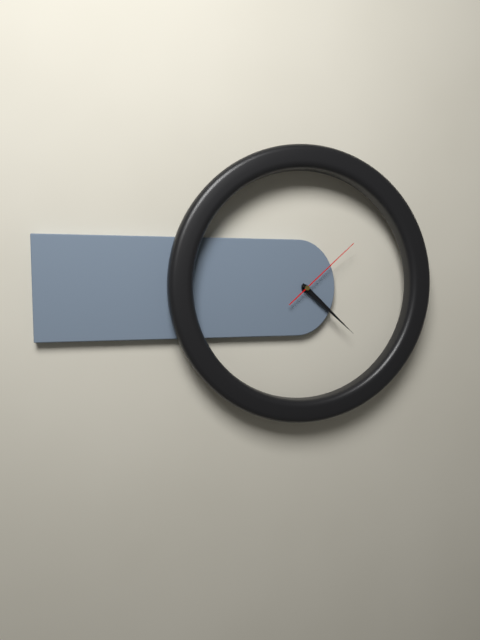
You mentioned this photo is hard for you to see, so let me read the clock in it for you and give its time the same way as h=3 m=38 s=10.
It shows h=4 m=22 s=8
